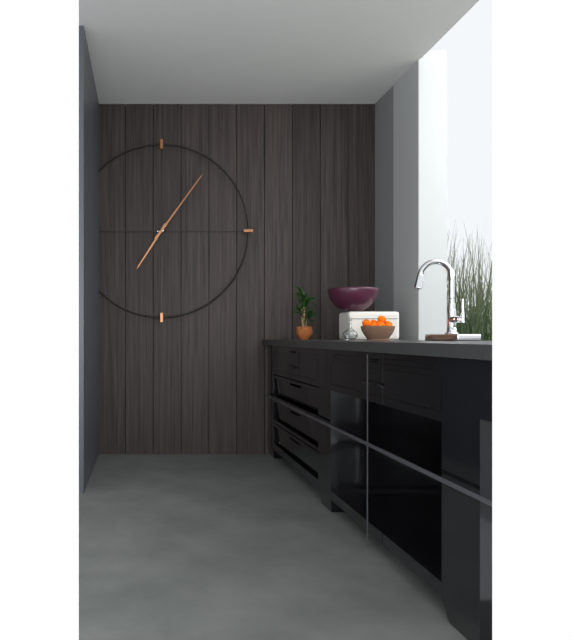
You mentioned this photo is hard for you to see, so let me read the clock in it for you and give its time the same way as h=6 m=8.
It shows h=7 m=6
